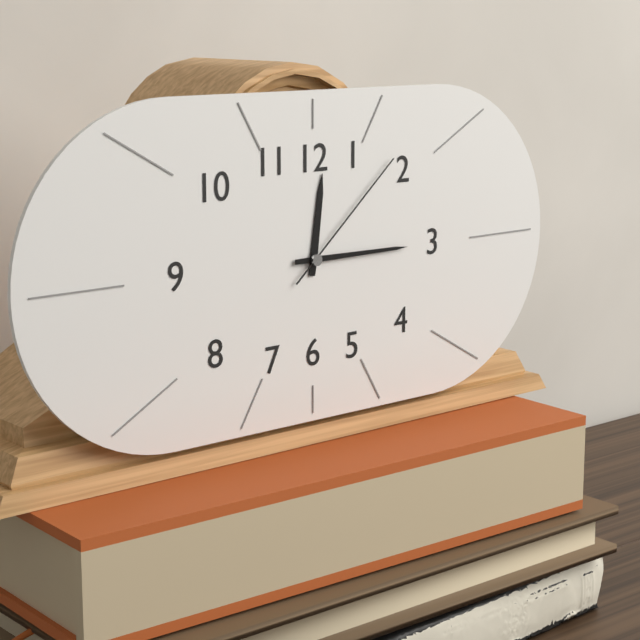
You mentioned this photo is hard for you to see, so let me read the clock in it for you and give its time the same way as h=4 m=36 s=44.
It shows h=12 m=15 s=8
